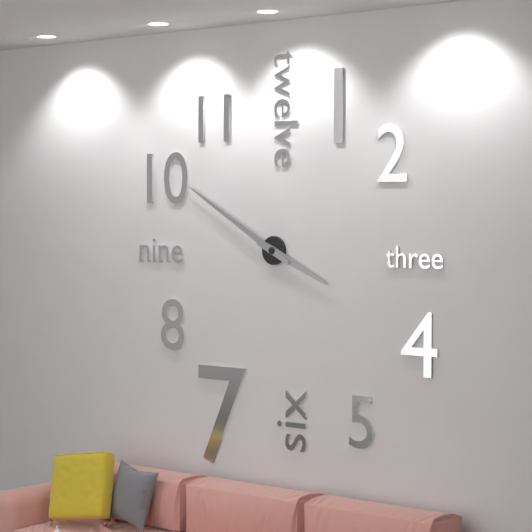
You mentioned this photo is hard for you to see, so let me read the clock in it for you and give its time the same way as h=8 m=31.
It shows h=3 m=50
